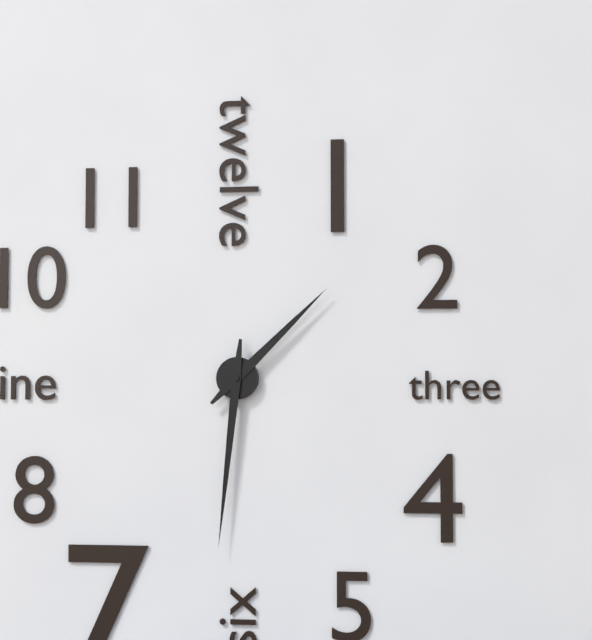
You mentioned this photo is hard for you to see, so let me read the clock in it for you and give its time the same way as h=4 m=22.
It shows h=1 m=31
